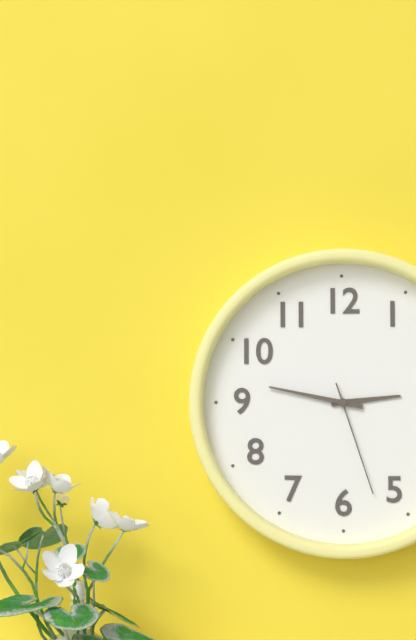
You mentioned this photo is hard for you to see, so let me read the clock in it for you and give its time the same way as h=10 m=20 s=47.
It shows h=2 m=47 s=27
